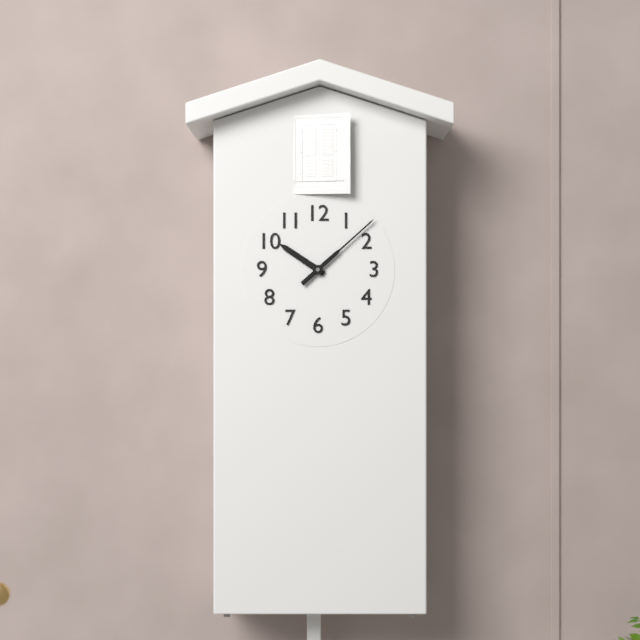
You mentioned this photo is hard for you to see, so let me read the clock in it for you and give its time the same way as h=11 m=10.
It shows h=10 m=8
